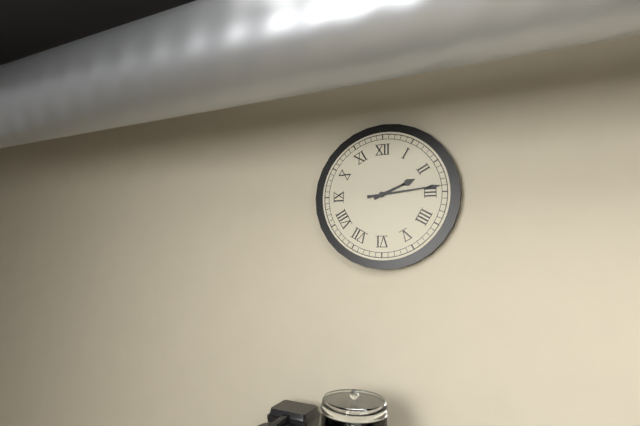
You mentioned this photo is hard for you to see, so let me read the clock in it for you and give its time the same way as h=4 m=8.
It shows h=2 m=14
